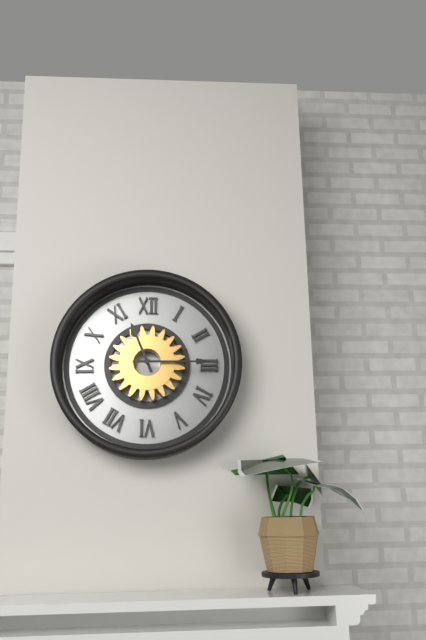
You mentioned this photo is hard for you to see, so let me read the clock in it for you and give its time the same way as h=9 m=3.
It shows h=11 m=15
